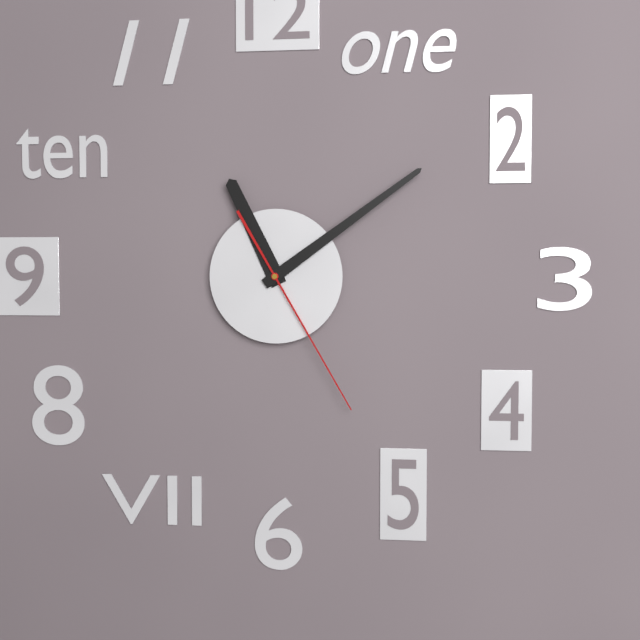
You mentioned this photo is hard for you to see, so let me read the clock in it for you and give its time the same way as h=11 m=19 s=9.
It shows h=11 m=9 s=25
